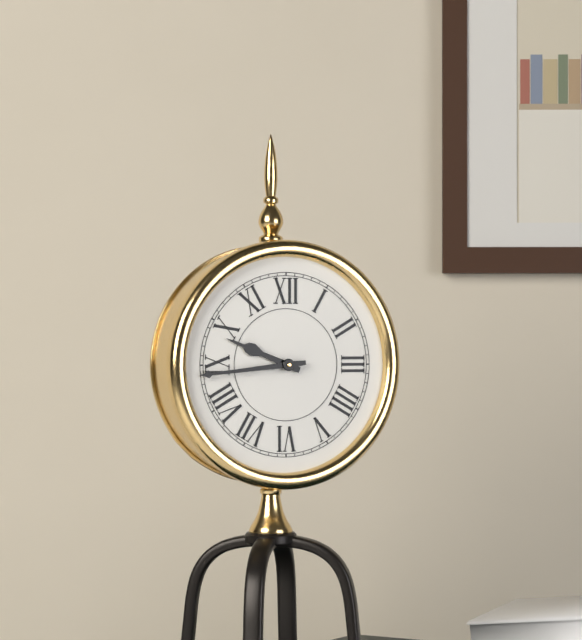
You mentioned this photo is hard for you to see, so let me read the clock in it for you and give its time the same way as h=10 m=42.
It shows h=9 m=44
